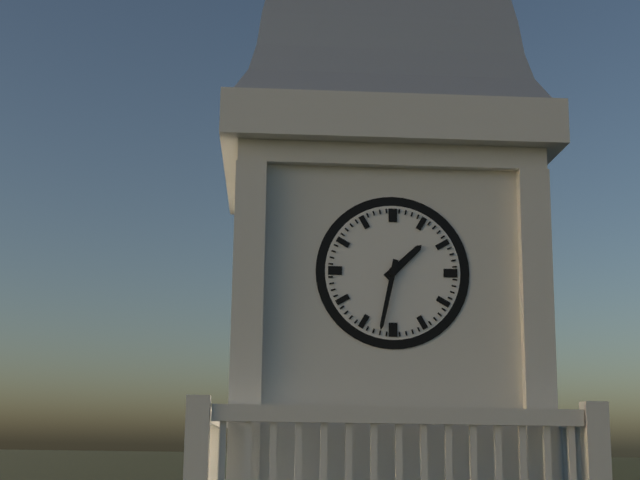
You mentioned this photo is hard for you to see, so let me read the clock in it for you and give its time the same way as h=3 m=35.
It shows h=1 m=32
